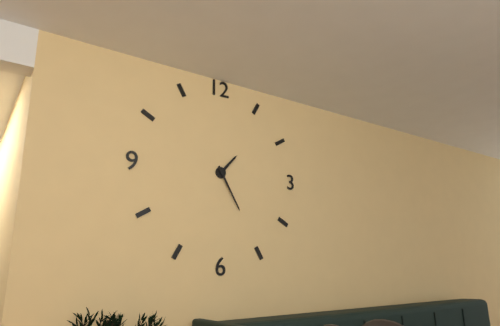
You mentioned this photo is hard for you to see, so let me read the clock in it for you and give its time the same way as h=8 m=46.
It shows h=1 m=25
